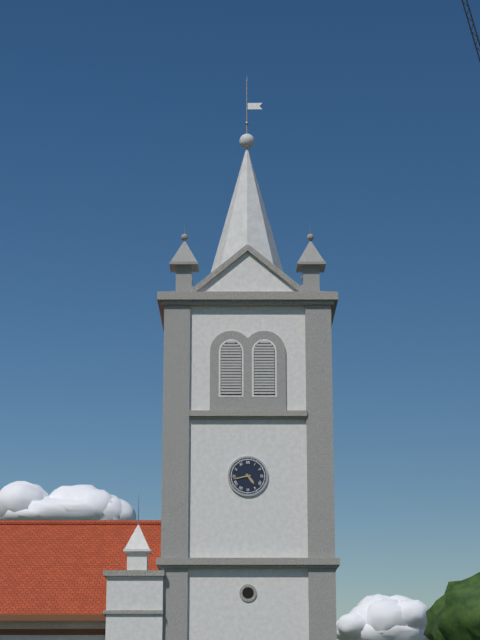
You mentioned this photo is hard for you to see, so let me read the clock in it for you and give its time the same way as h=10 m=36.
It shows h=4 m=43
